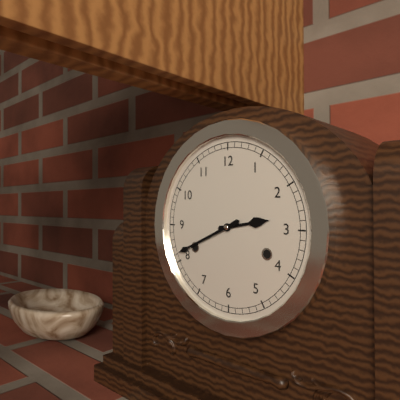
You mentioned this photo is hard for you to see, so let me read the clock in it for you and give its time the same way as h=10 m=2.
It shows h=2 m=41
